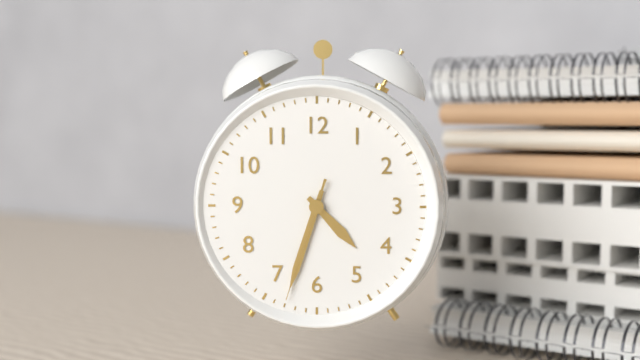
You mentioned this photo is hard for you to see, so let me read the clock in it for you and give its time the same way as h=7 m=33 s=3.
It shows h=4 m=33 s=33
